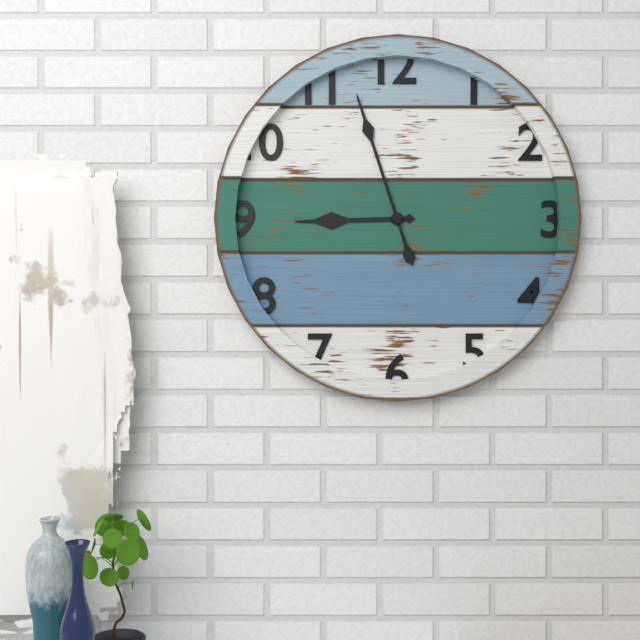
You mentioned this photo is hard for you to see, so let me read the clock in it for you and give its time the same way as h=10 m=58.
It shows h=8 m=57
